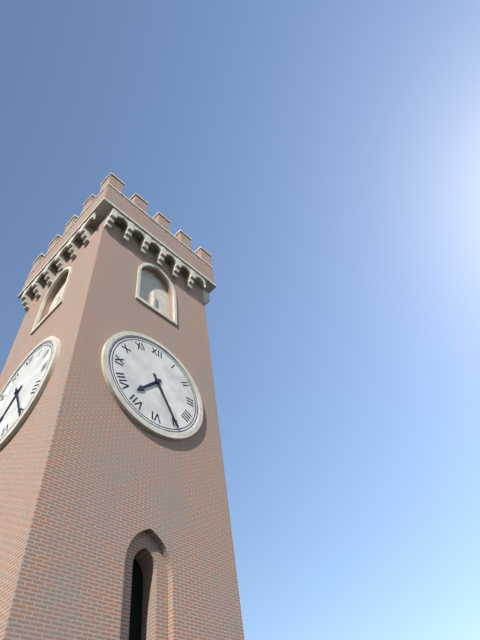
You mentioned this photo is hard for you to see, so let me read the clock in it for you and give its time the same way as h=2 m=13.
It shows h=7 m=25
